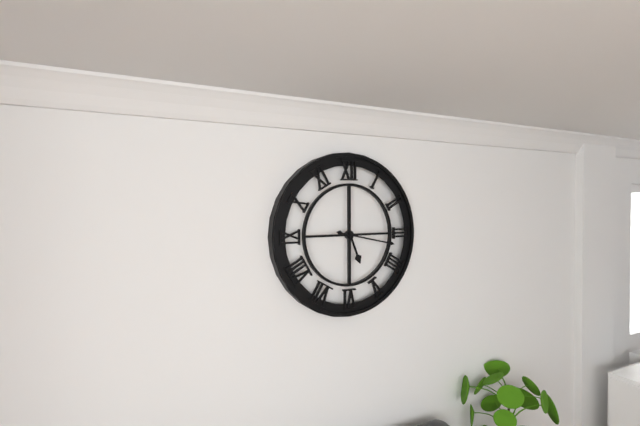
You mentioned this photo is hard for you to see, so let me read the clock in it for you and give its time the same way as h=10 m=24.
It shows h=5 m=17
